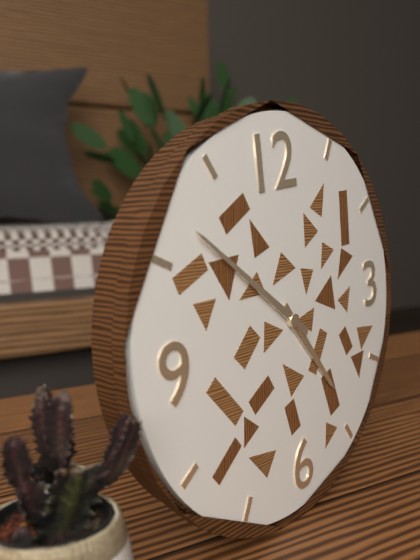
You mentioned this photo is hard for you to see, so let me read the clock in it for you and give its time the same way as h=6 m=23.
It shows h=4 m=52
